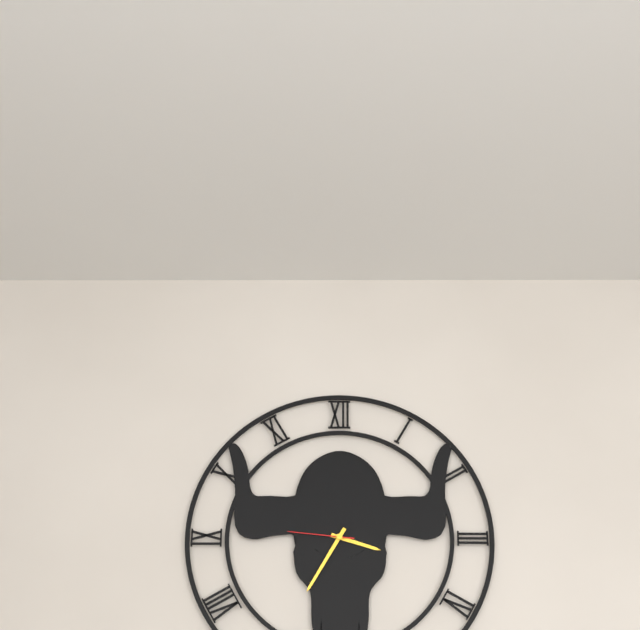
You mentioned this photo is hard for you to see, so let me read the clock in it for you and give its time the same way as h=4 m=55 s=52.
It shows h=3 m=35 s=46
